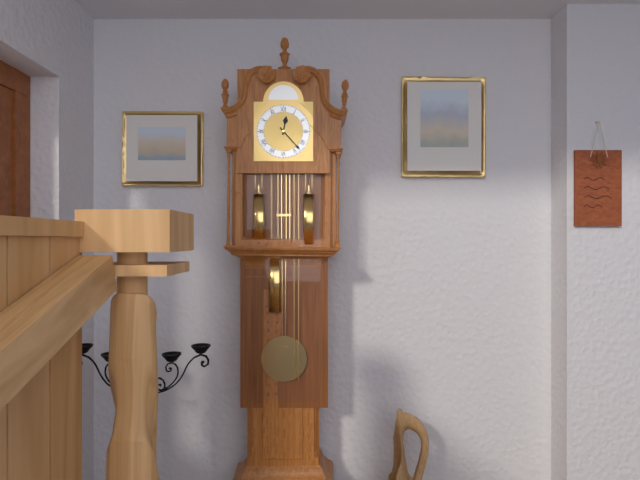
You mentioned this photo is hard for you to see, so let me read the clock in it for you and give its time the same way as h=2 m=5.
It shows h=12 m=23
